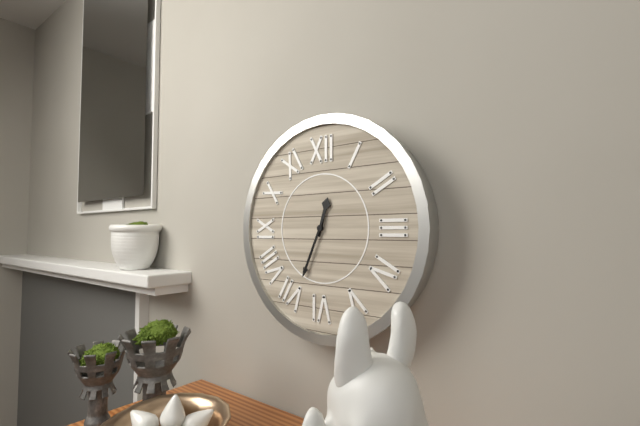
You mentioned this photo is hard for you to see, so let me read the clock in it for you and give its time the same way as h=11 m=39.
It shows h=12 m=34
